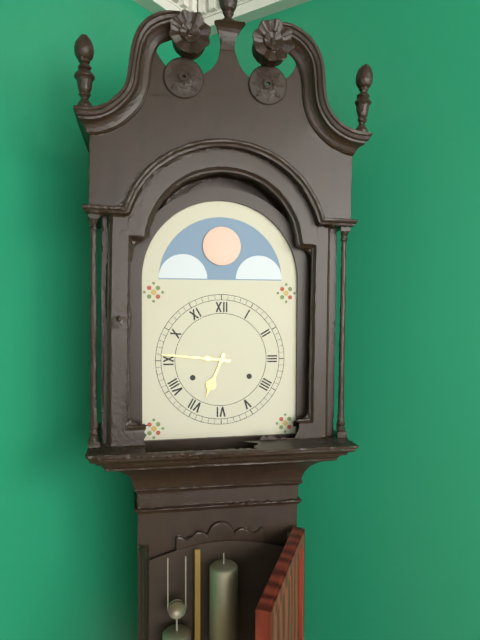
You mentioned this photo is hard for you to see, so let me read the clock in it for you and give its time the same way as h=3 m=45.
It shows h=6 m=46
